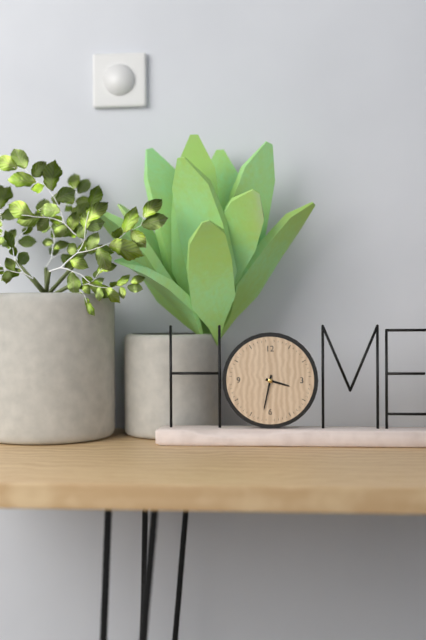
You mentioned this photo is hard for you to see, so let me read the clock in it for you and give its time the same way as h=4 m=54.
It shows h=3 m=32
